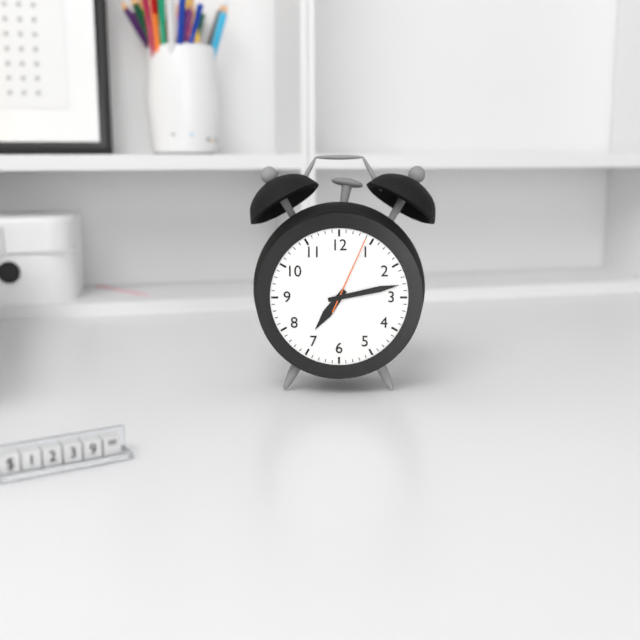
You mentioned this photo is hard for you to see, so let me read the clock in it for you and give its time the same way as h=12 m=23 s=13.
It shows h=7 m=13 s=4
